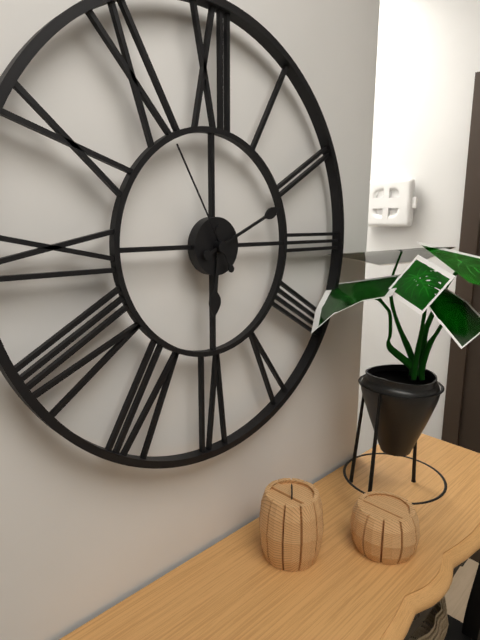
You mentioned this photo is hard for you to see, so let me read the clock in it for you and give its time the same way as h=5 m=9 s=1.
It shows h=6 m=11 s=55
